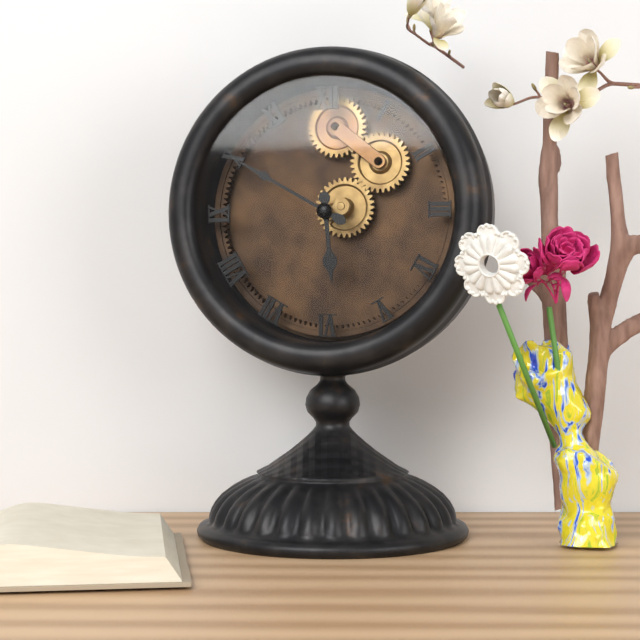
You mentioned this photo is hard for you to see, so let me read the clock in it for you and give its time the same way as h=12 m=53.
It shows h=5 m=50
